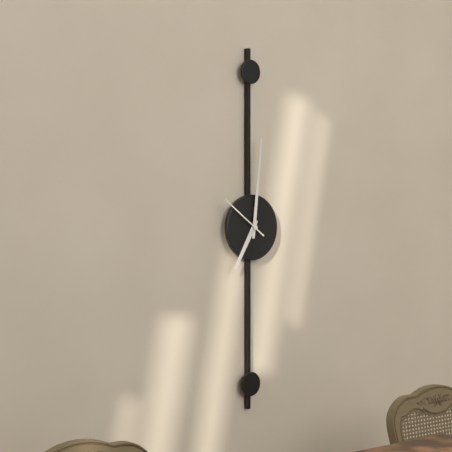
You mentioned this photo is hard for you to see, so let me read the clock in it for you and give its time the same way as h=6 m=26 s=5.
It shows h=7 m=1 s=51
